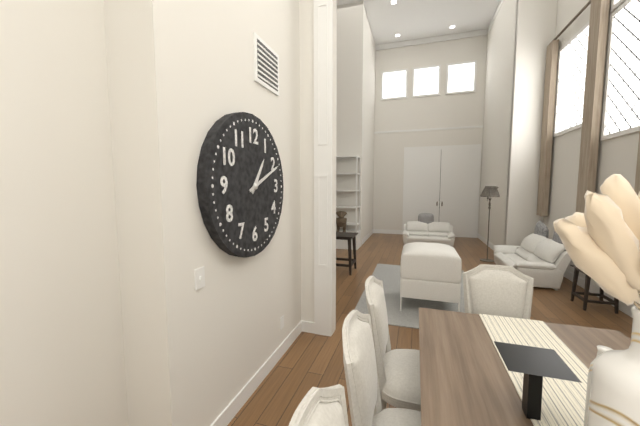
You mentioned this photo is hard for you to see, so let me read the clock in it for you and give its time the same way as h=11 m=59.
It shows h=1 m=11
